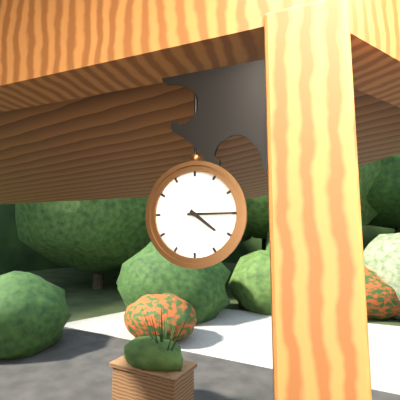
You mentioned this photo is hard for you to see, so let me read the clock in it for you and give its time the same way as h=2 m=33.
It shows h=4 m=15
